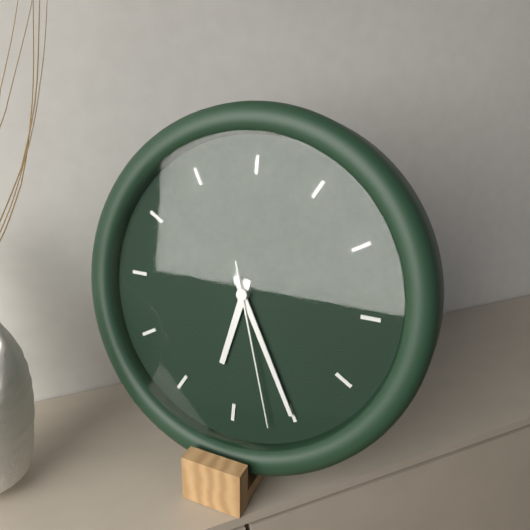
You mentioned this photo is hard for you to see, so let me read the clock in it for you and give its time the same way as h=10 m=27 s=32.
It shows h=6 m=25 s=27
